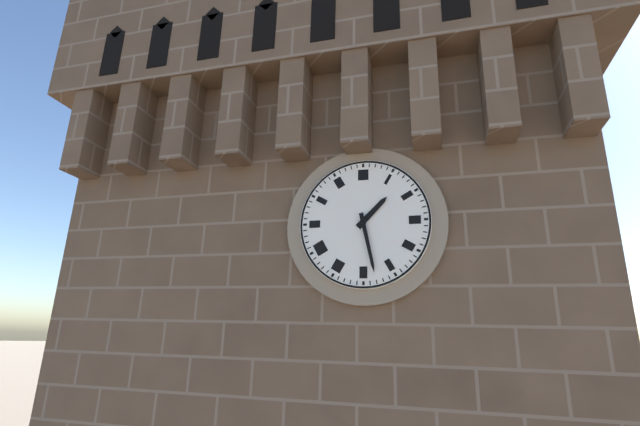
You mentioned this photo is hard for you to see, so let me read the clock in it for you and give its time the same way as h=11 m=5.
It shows h=1 m=28
